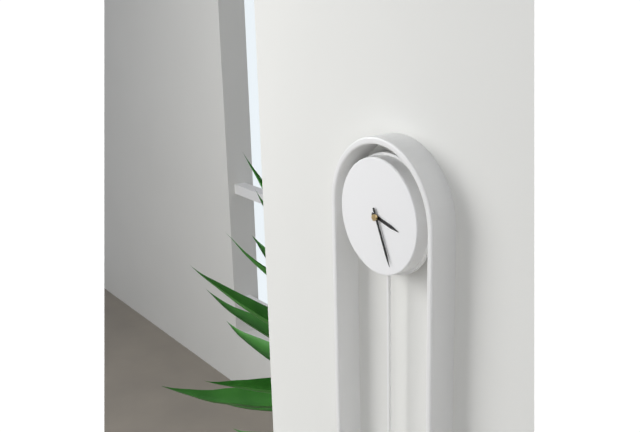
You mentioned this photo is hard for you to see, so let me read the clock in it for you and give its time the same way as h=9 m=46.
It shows h=3 m=26
